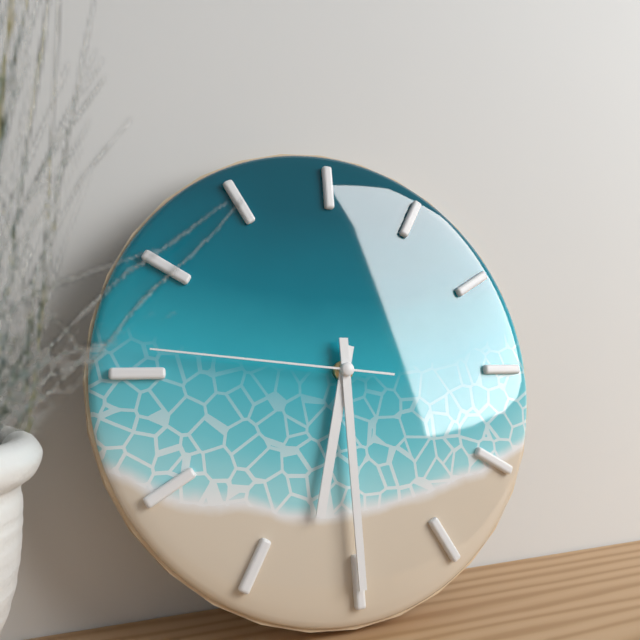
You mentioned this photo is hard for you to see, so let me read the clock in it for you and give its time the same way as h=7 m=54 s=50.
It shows h=6 m=30 s=46
